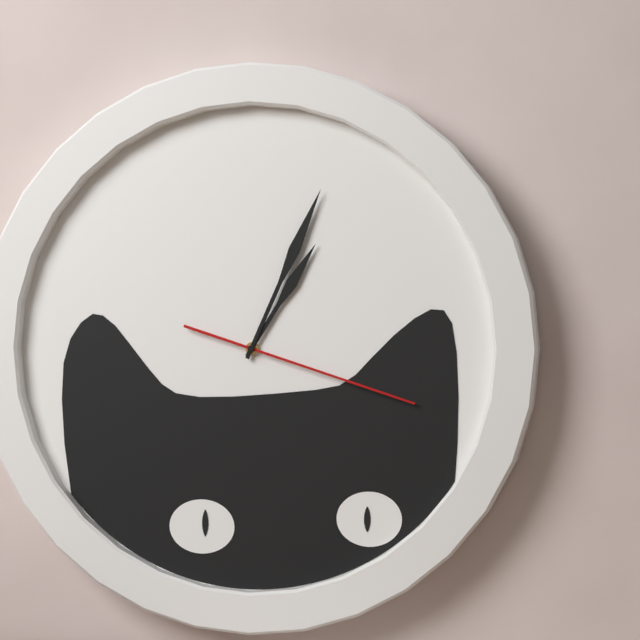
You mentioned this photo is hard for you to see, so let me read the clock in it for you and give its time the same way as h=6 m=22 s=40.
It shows h=1 m=4 s=18
